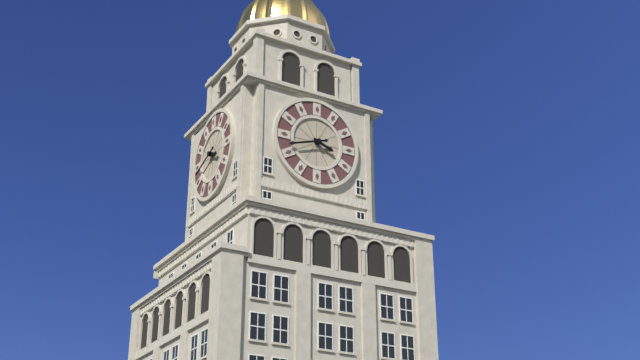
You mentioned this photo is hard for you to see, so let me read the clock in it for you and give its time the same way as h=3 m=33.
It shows h=3 m=42
